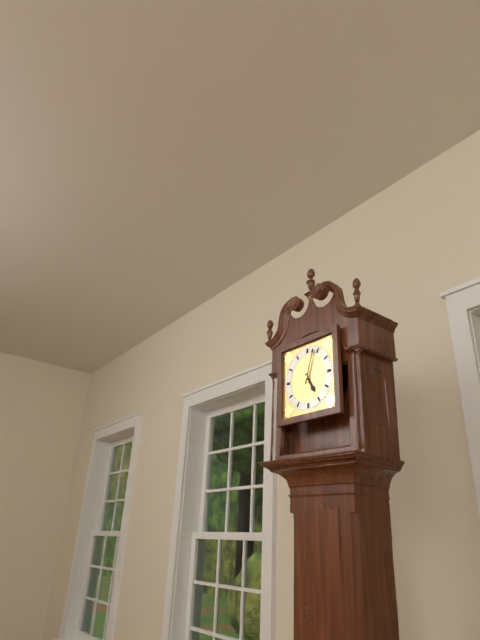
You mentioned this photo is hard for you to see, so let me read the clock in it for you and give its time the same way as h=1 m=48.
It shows h=5 m=3
